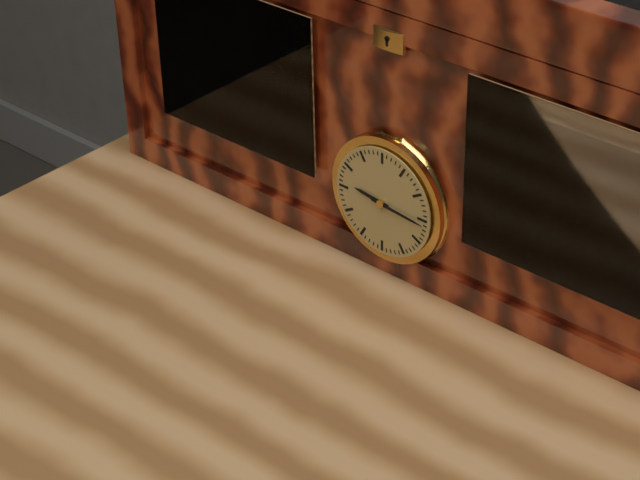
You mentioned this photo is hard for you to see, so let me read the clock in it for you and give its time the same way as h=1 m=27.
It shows h=9 m=16
